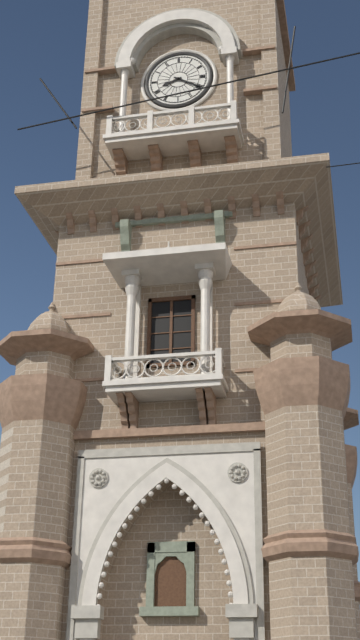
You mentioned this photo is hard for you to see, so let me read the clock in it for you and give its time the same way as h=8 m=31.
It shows h=8 m=20
